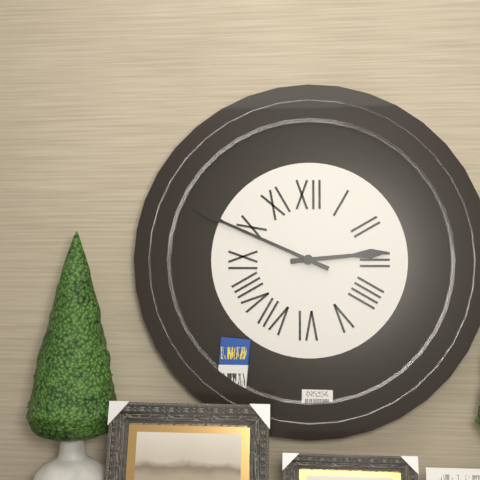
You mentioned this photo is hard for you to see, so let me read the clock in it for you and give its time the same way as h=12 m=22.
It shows h=2 m=49
